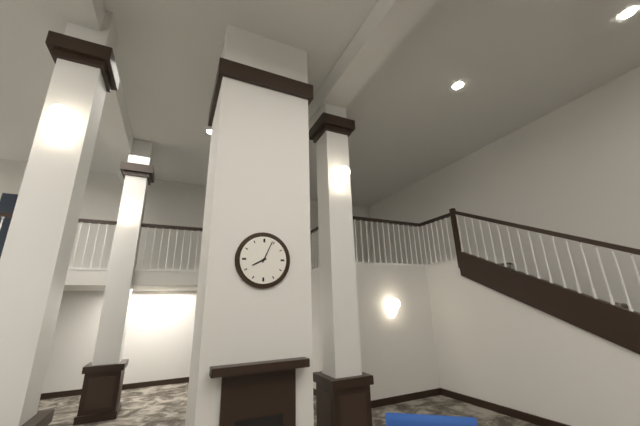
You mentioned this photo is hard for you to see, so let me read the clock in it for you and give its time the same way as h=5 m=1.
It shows h=8 m=4
